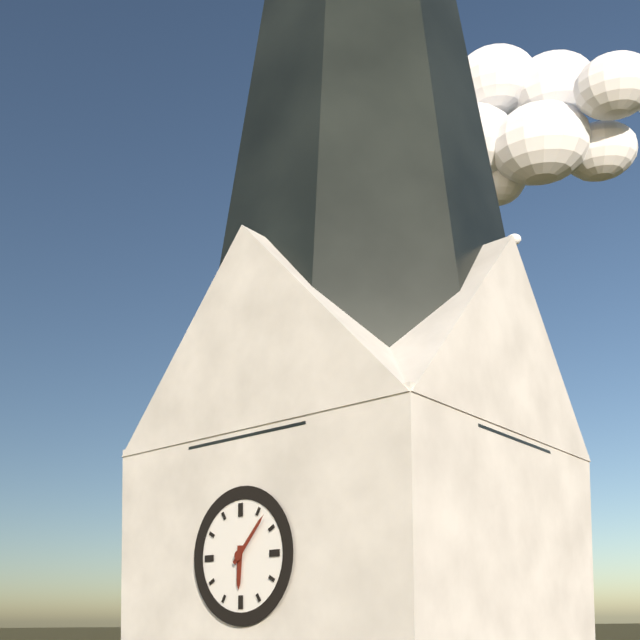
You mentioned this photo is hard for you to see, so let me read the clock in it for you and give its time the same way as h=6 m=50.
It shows h=6 m=7
